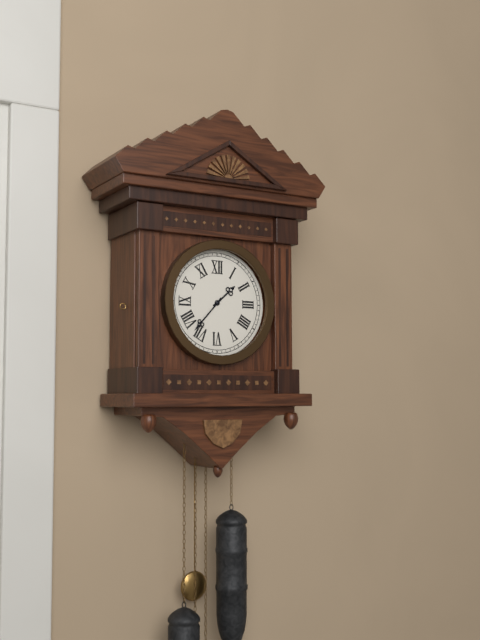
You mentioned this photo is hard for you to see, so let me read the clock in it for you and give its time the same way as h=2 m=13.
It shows h=1 m=37
